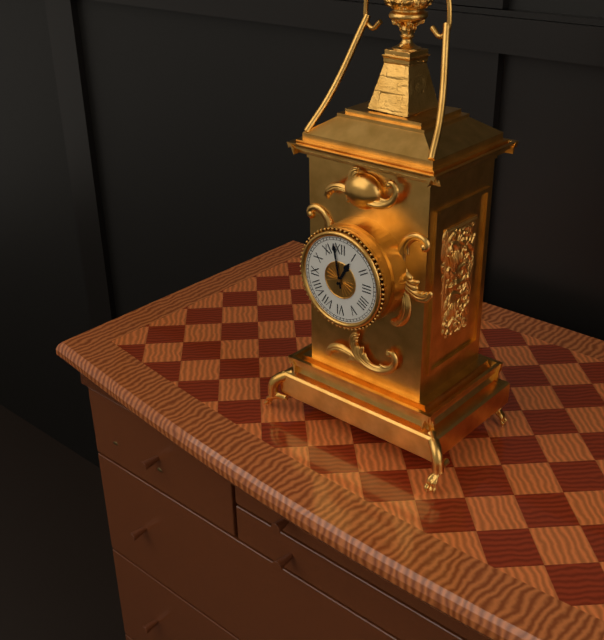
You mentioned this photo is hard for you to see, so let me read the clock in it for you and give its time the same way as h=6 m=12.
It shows h=12 m=58
